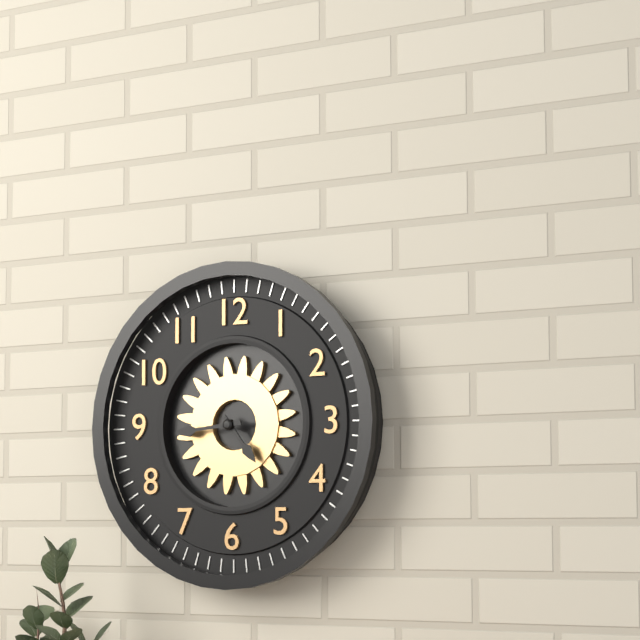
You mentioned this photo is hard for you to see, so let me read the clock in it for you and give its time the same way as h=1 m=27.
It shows h=4 m=44
